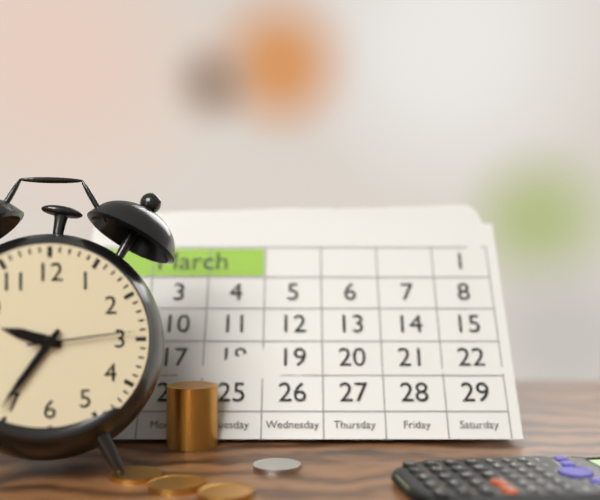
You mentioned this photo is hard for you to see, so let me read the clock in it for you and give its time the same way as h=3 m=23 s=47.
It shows h=9 m=36 s=14
